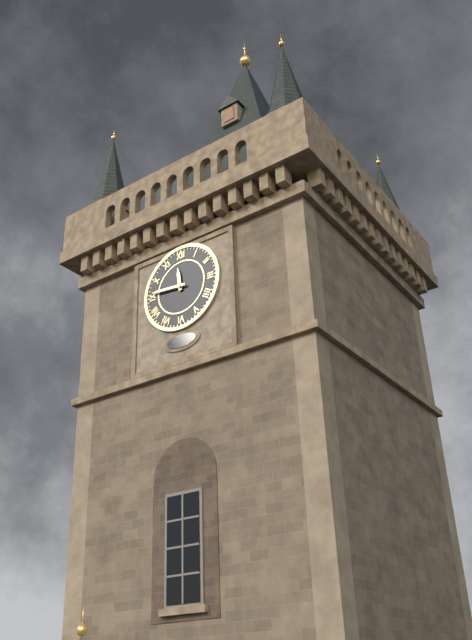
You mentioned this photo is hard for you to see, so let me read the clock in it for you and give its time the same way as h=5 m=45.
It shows h=11 m=46
